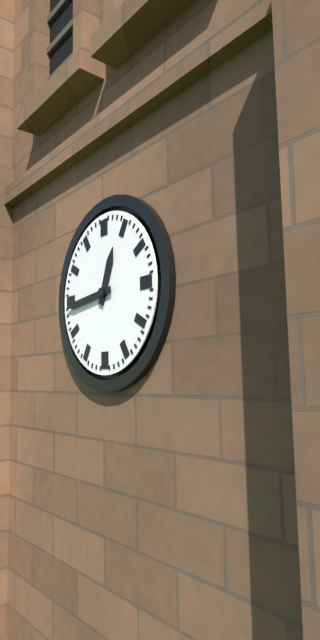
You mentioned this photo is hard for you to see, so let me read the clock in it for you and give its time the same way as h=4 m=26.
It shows h=12 m=44
